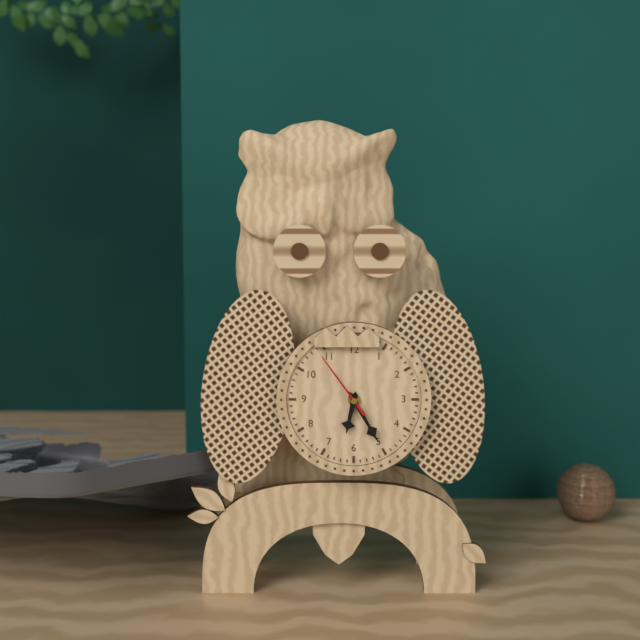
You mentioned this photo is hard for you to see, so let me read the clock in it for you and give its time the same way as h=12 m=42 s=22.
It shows h=6 m=25 s=54
